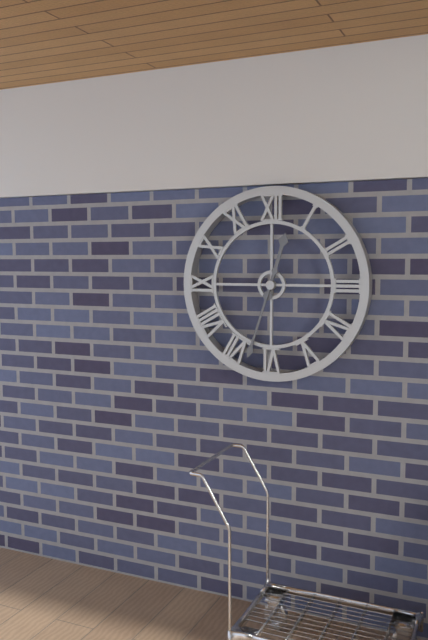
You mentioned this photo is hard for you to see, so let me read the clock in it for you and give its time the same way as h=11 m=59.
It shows h=12 m=33
